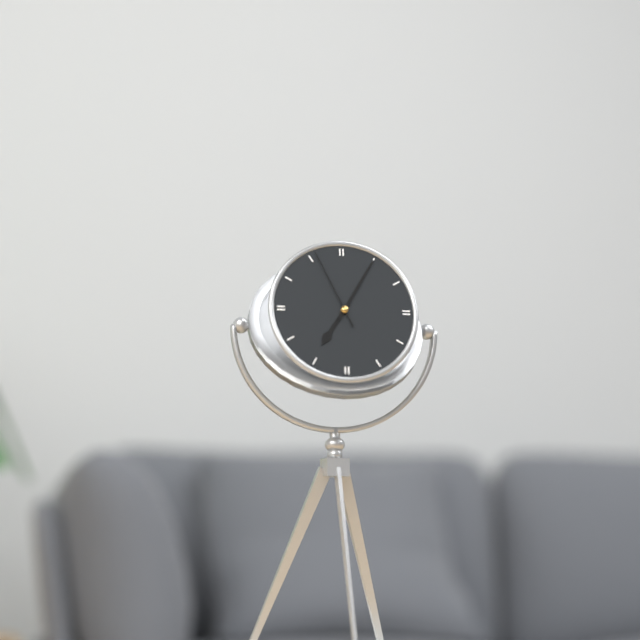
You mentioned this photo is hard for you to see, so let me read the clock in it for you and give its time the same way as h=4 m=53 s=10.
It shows h=7 m=5 s=56
